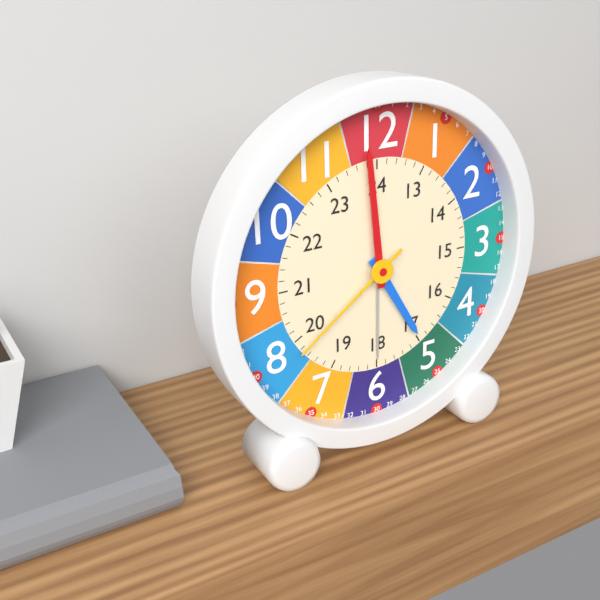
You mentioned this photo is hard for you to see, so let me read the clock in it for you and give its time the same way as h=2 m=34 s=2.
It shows h=4 m=59 s=39
